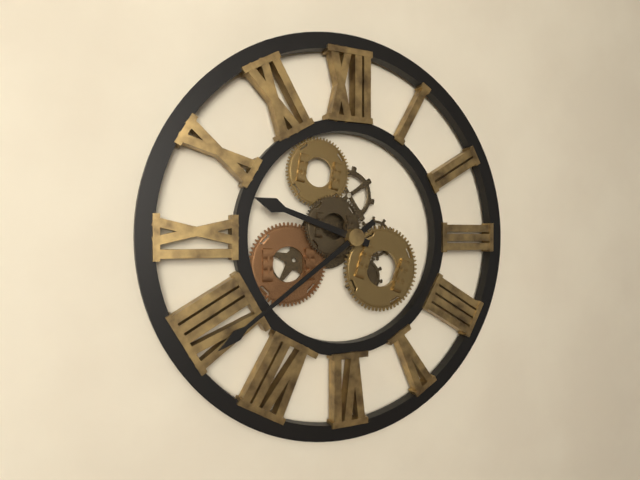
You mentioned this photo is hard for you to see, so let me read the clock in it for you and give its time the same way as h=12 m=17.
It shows h=9 m=39
